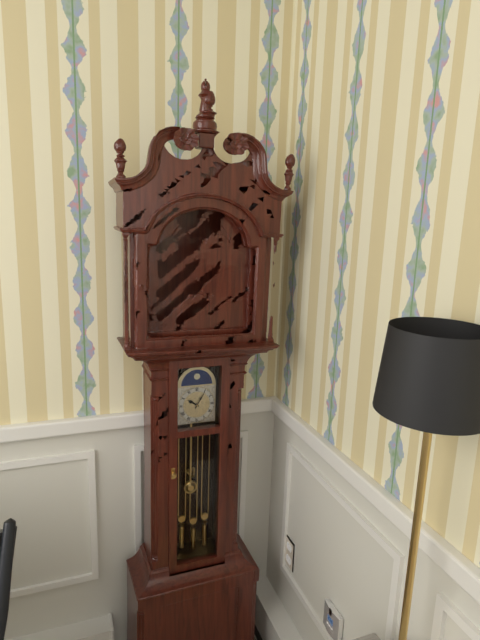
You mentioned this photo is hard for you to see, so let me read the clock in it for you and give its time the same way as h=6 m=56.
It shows h=10 m=5
